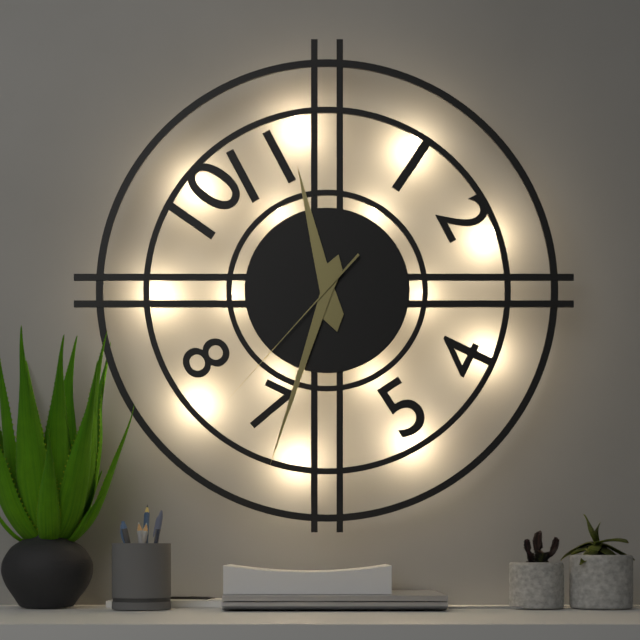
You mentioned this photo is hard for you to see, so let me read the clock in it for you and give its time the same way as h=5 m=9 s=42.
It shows h=11 m=33 s=37
